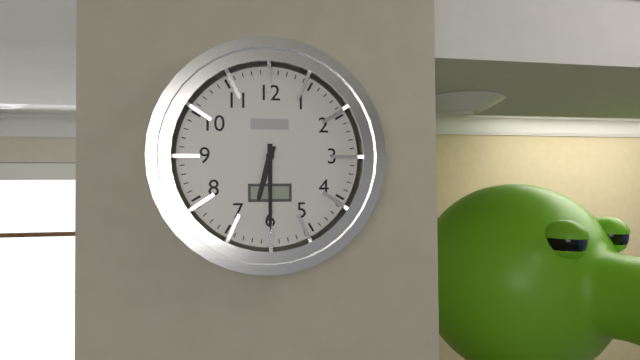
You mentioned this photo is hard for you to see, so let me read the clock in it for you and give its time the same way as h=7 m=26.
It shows h=6 m=30
